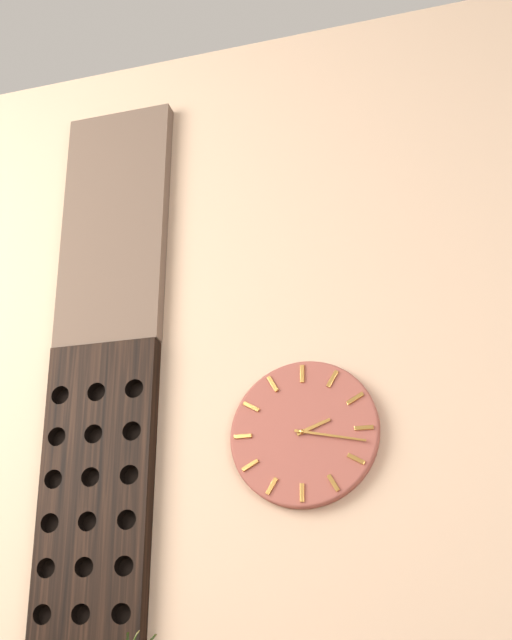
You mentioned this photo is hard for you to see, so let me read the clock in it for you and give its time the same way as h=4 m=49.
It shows h=2 m=17
